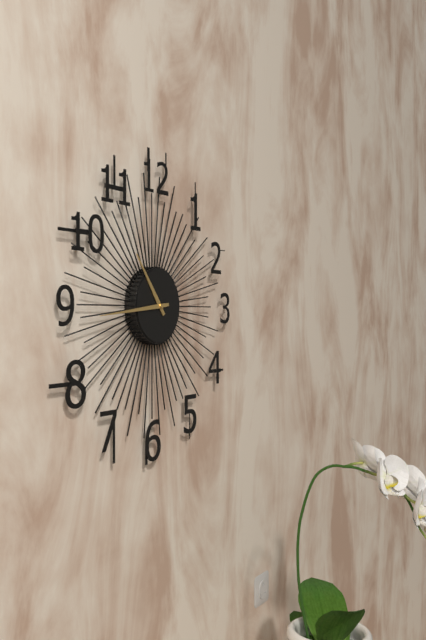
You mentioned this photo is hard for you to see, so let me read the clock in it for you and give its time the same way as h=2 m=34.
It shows h=10 m=44
